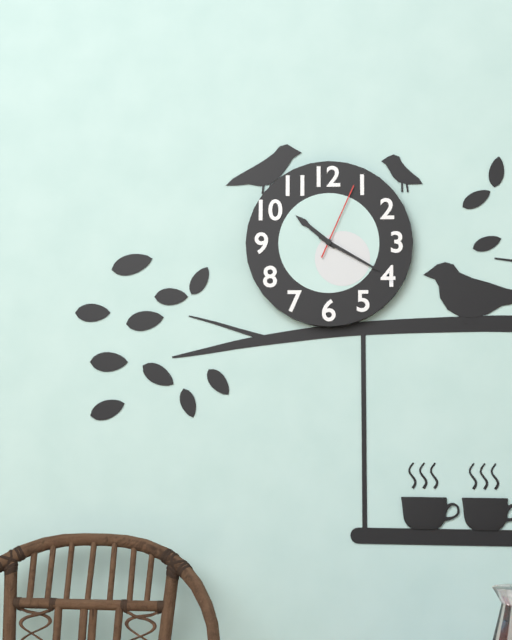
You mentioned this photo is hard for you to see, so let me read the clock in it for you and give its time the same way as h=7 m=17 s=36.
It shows h=10 m=20 s=4
